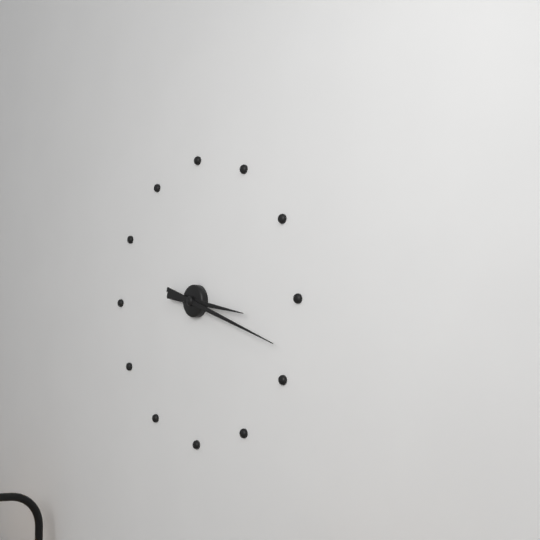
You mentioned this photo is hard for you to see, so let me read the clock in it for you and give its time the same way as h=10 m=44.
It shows h=3 m=18
